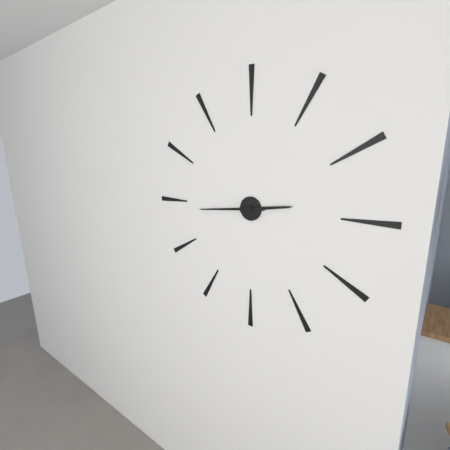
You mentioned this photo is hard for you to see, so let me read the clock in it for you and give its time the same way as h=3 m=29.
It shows h=2 m=44
